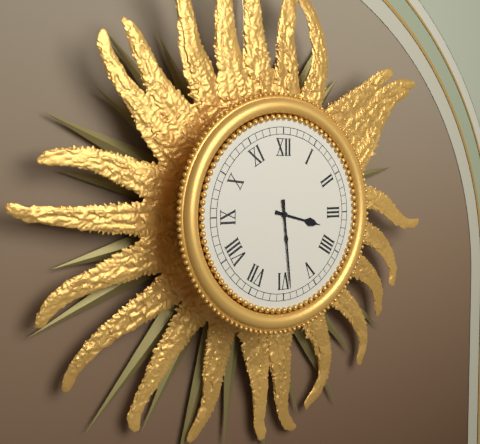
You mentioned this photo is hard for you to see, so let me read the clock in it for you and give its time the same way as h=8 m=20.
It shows h=3 m=29
